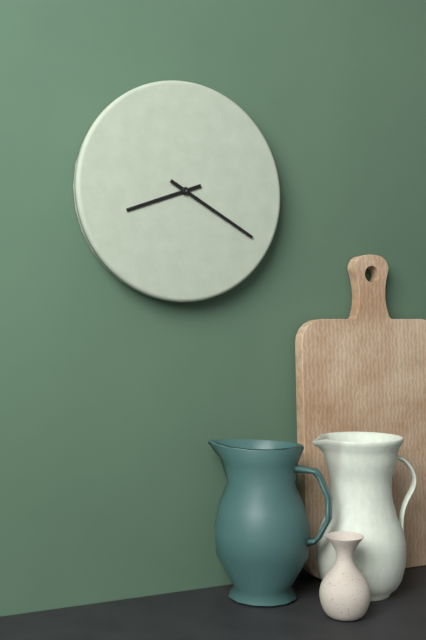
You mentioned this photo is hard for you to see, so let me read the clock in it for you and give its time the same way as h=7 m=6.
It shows h=8 m=20
